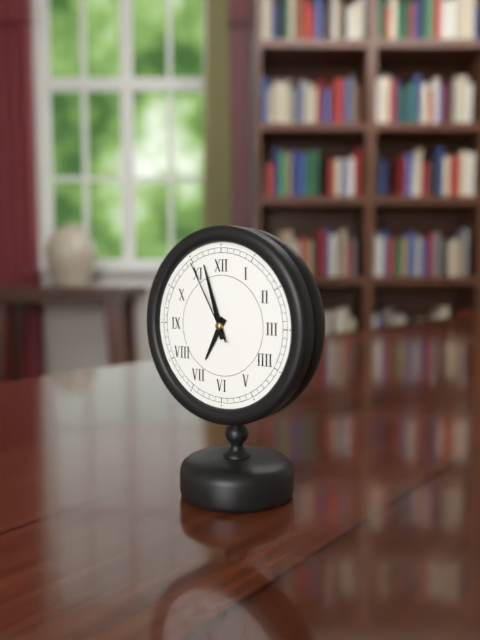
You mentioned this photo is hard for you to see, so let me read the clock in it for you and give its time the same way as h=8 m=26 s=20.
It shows h=6 m=57 s=55
